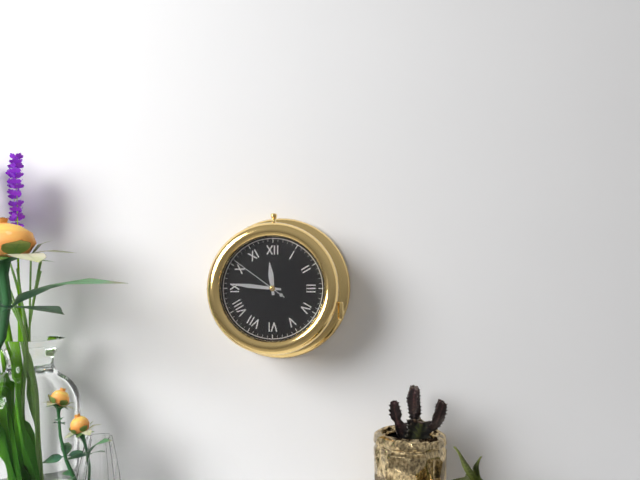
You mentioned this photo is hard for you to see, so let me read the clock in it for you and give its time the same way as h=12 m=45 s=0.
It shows h=11 m=46 s=51
